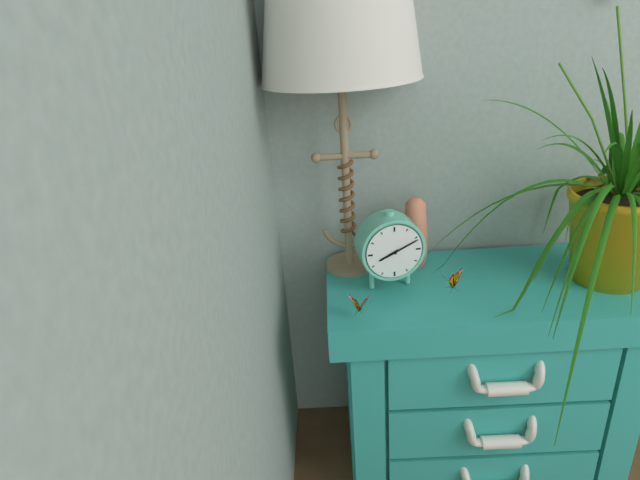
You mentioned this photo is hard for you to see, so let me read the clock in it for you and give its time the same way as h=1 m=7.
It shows h=8 m=11
